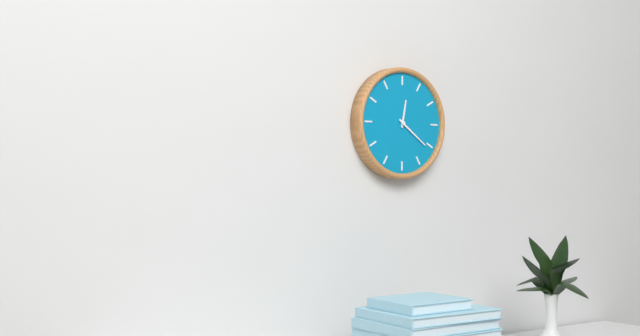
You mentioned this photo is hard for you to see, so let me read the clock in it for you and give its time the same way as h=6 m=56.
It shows h=12 m=21
